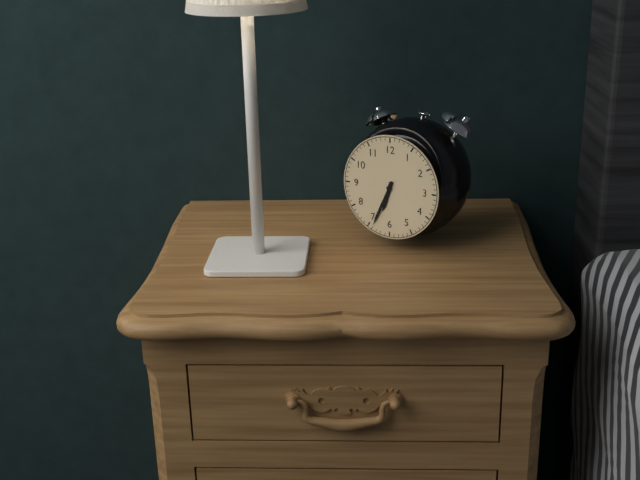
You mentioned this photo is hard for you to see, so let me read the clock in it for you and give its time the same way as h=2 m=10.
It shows h=6 m=34
